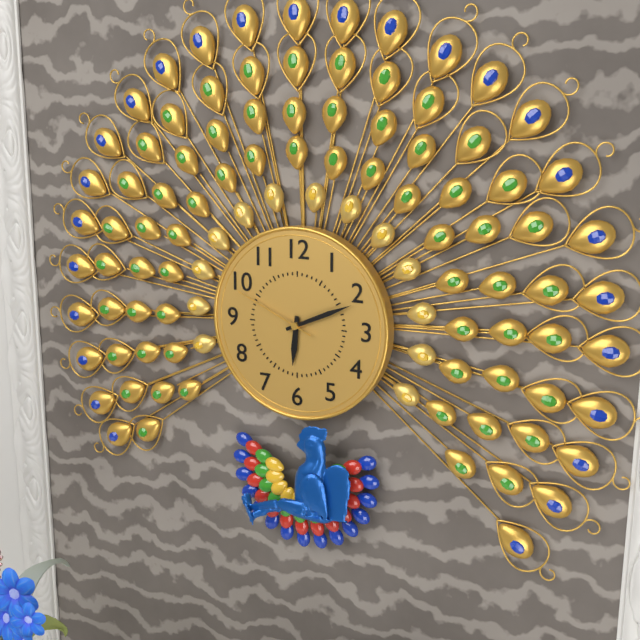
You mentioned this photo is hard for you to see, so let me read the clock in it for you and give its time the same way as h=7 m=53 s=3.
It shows h=6 m=11 s=49
